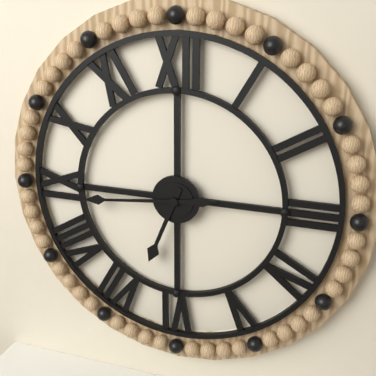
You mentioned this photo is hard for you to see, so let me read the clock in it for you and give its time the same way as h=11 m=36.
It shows h=6 m=44
